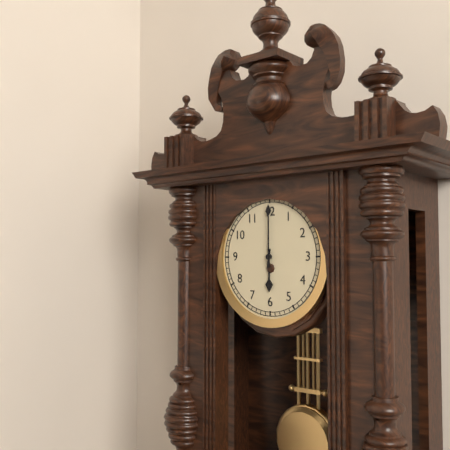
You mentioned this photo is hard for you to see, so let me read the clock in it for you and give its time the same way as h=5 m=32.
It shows h=6 m=0
